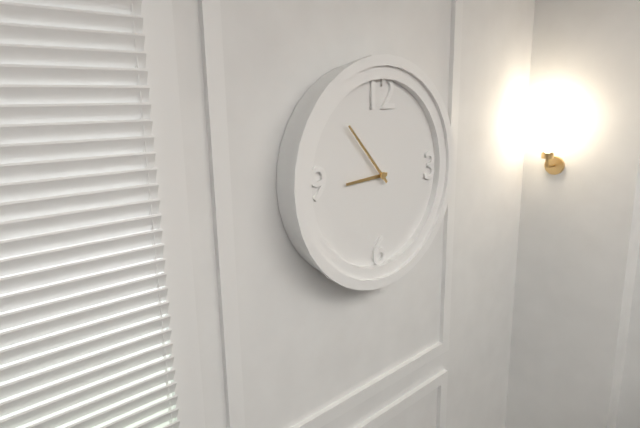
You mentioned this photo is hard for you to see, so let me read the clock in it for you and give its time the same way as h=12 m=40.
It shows h=8 m=53
